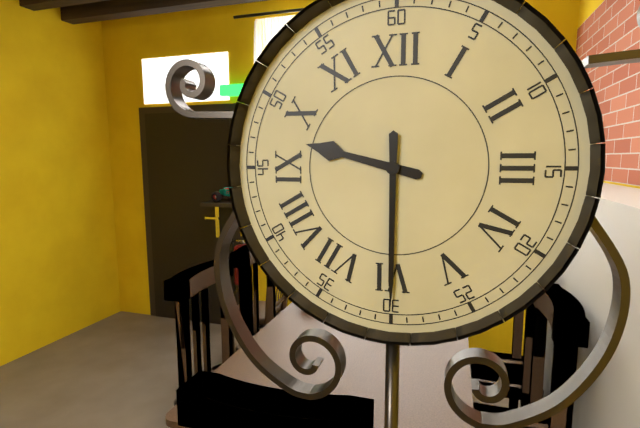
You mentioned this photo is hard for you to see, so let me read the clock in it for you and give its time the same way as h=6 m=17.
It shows h=9 m=30
